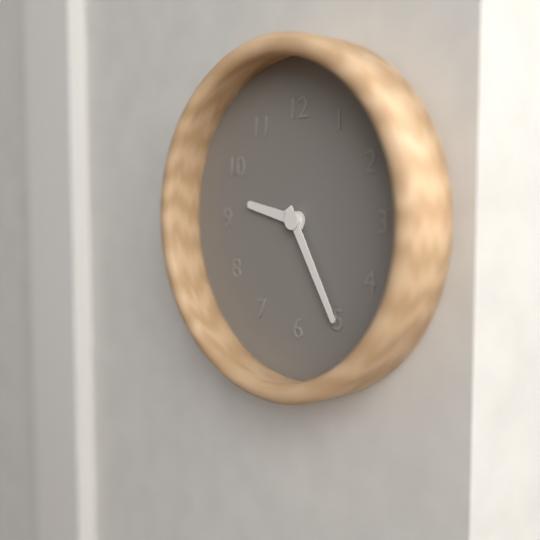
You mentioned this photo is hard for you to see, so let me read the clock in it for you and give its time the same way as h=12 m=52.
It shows h=9 m=25
